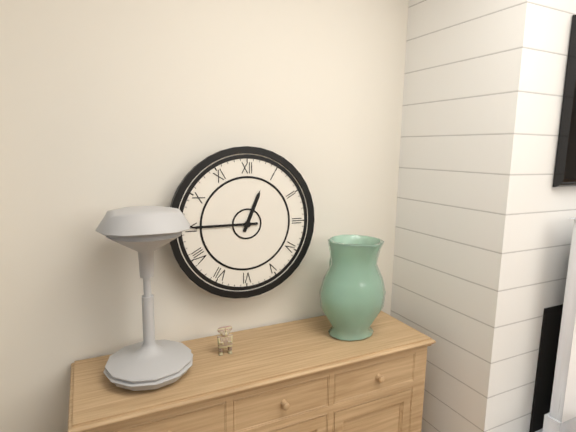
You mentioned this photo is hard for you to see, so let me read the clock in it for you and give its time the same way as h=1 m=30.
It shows h=12 m=45
